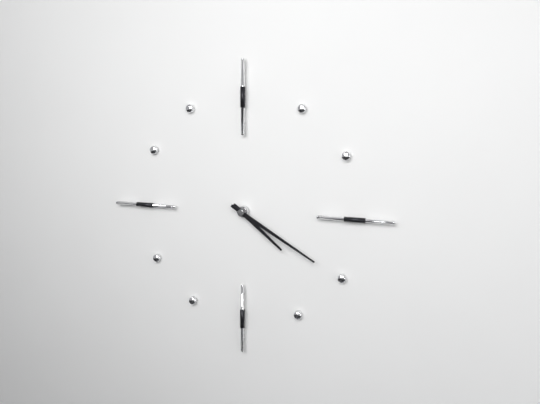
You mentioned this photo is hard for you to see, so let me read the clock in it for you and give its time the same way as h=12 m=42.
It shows h=4 m=20
